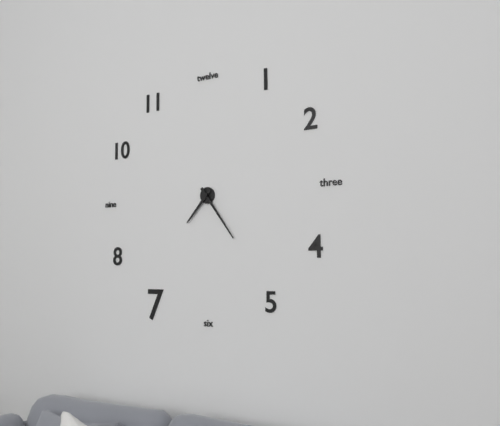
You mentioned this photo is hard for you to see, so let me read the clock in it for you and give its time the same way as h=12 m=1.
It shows h=7 m=24
